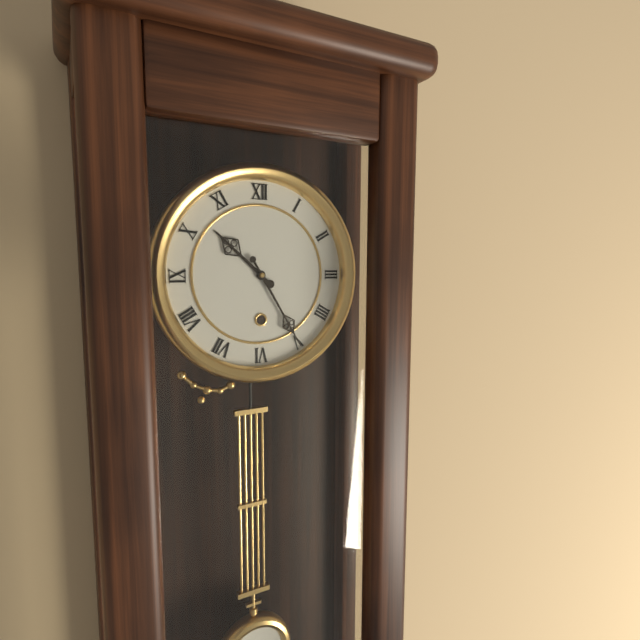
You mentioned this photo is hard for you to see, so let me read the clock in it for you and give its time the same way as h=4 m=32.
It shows h=10 m=25
